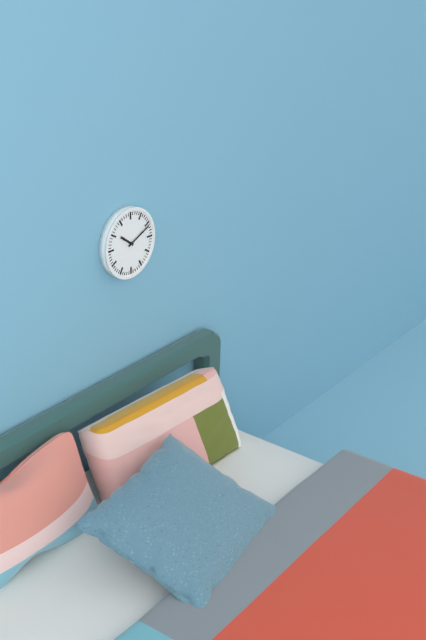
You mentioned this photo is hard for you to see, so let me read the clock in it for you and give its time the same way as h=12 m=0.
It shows h=10 m=11
